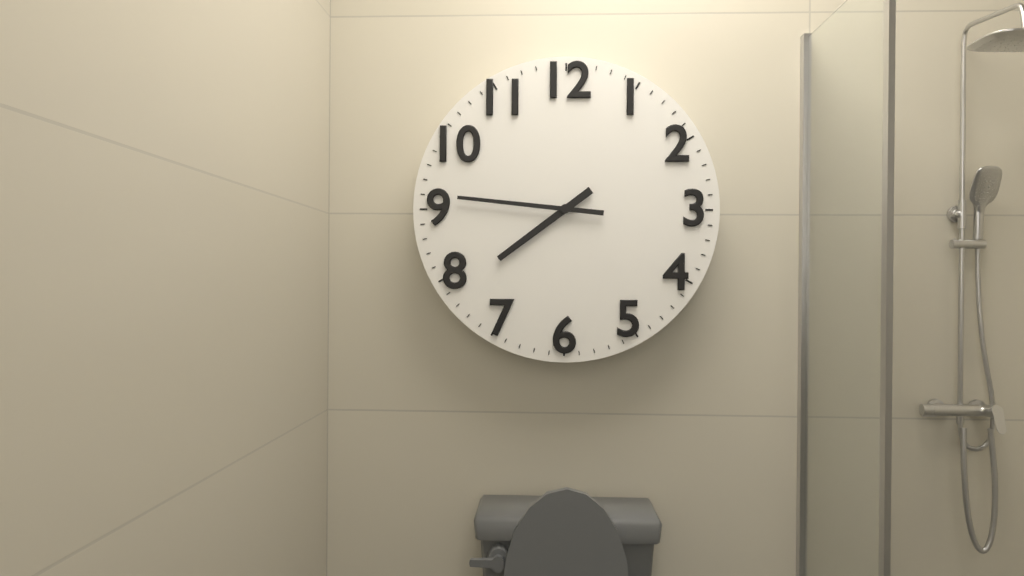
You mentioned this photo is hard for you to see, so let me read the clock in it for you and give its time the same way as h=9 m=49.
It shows h=7 m=46
